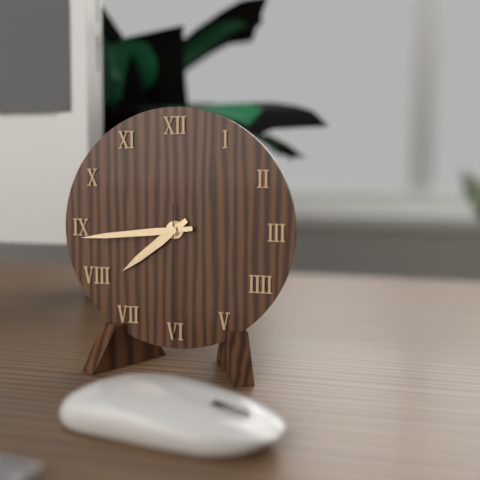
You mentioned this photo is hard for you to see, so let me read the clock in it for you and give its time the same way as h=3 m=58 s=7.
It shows h=7 m=44 s=30
